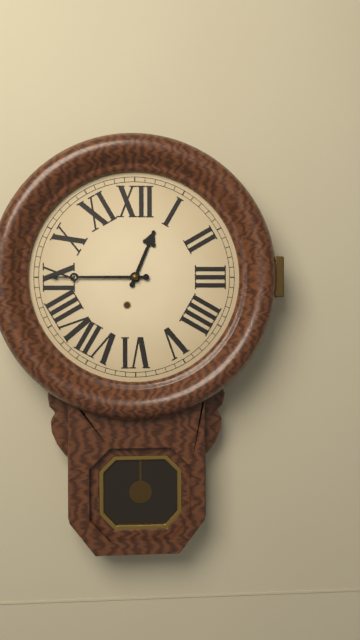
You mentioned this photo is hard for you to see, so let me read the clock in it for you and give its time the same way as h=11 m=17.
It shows h=12 m=45
